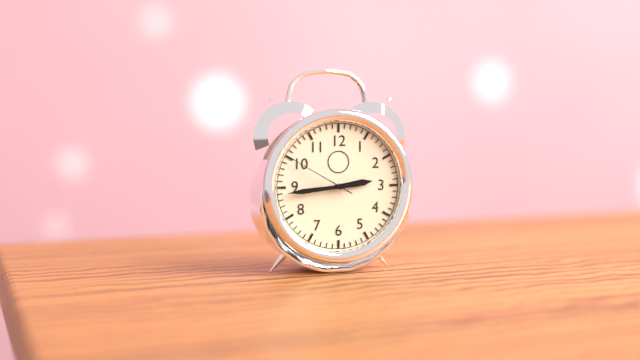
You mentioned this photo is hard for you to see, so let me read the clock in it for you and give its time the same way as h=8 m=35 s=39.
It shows h=2 m=44 s=50
